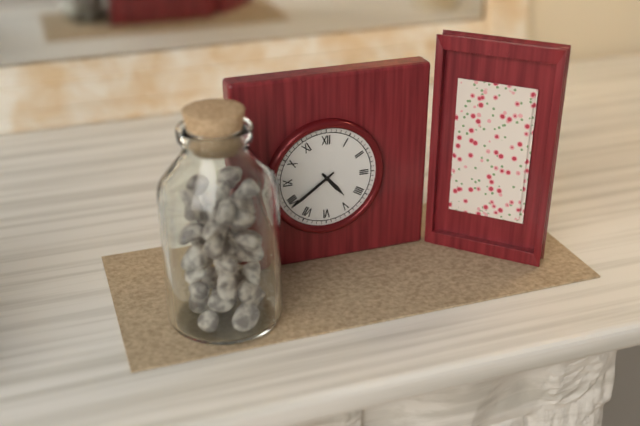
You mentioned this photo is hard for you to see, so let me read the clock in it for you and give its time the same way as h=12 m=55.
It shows h=4 m=39
